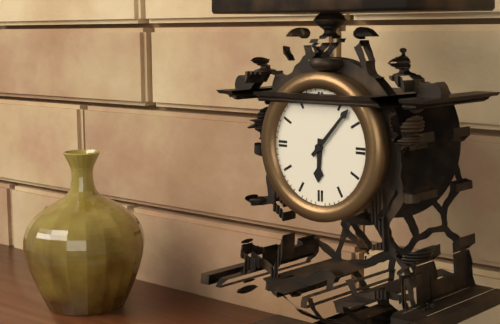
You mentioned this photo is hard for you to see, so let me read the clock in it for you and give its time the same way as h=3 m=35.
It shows h=6 m=7
